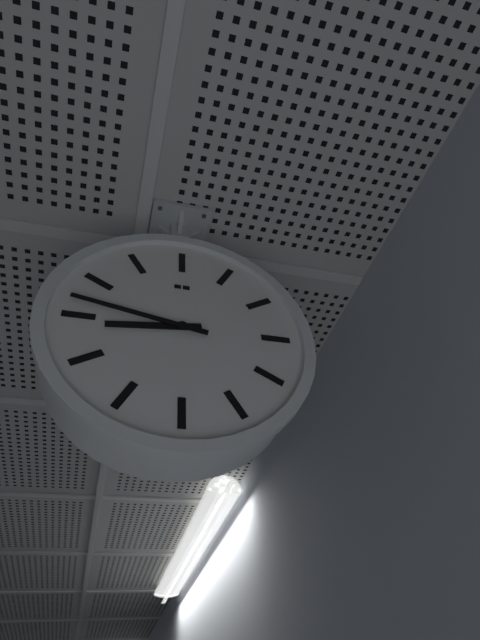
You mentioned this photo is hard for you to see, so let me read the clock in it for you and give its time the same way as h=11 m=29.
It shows h=8 m=47
